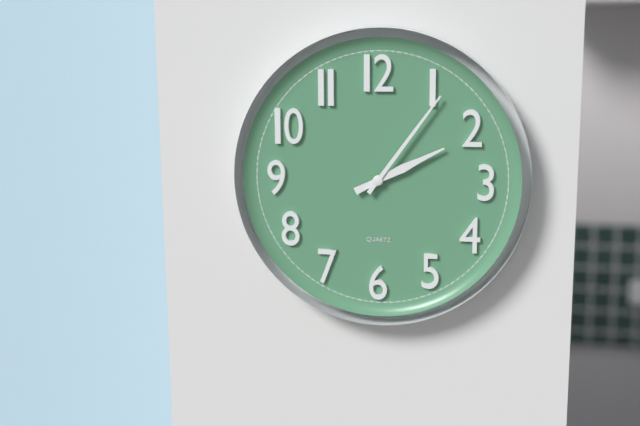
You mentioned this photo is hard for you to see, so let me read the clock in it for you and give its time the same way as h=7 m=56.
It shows h=2 m=6
